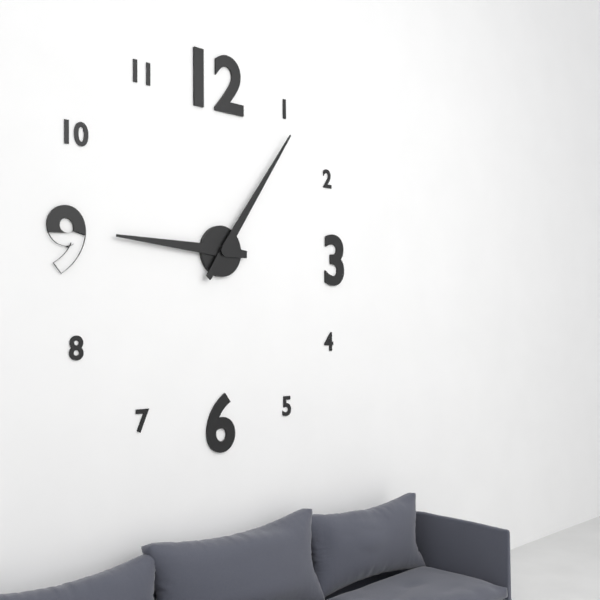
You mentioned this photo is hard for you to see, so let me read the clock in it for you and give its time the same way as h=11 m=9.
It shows h=9 m=6
